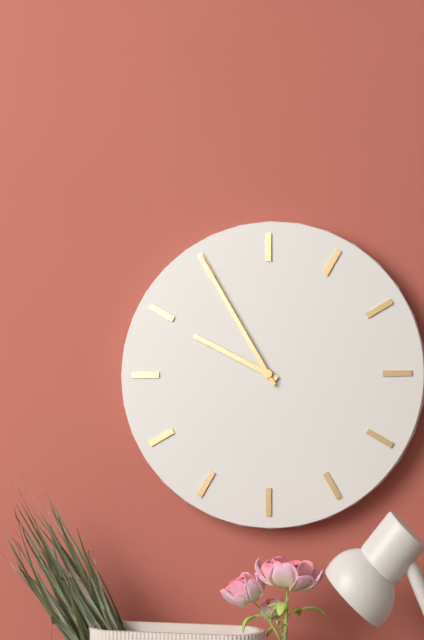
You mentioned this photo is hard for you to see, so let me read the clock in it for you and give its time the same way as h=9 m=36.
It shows h=9 m=55
